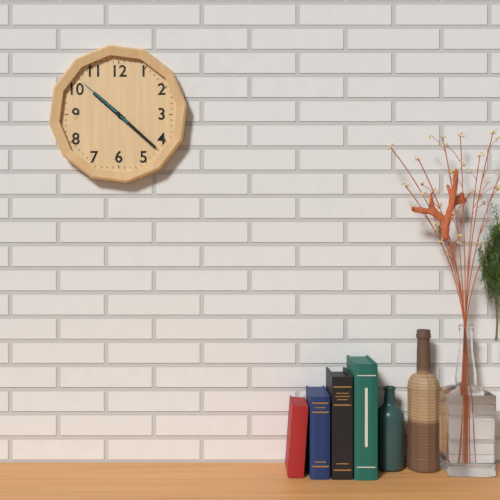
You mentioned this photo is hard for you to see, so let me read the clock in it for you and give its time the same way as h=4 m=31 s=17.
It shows h=10 m=22 s=52
